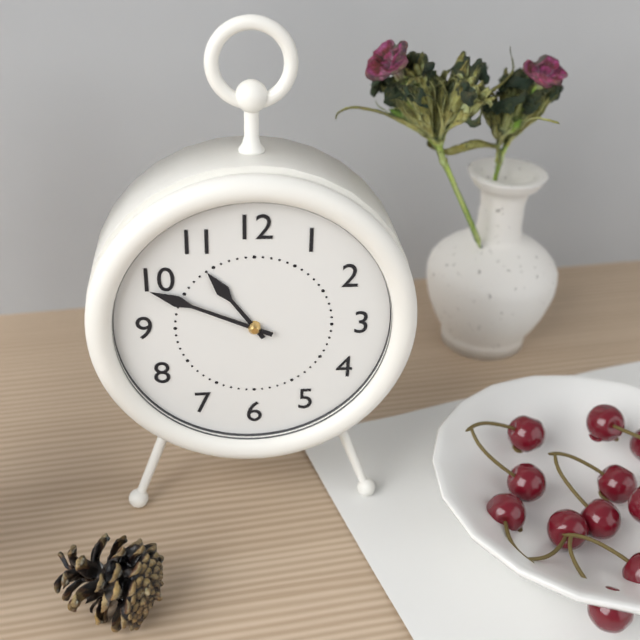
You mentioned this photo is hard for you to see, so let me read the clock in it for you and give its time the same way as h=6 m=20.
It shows h=10 m=49
